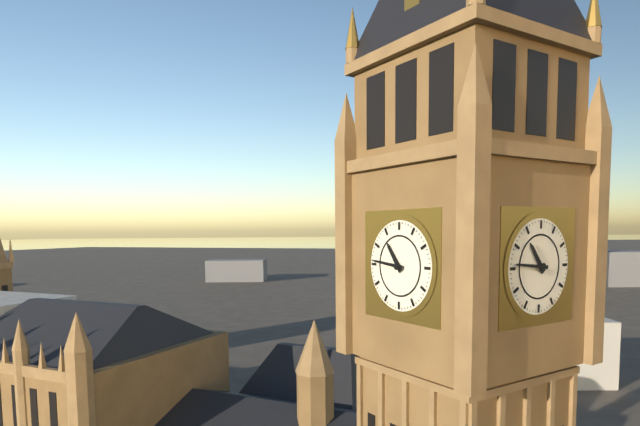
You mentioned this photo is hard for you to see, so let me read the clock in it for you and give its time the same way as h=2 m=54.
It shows h=10 m=46
